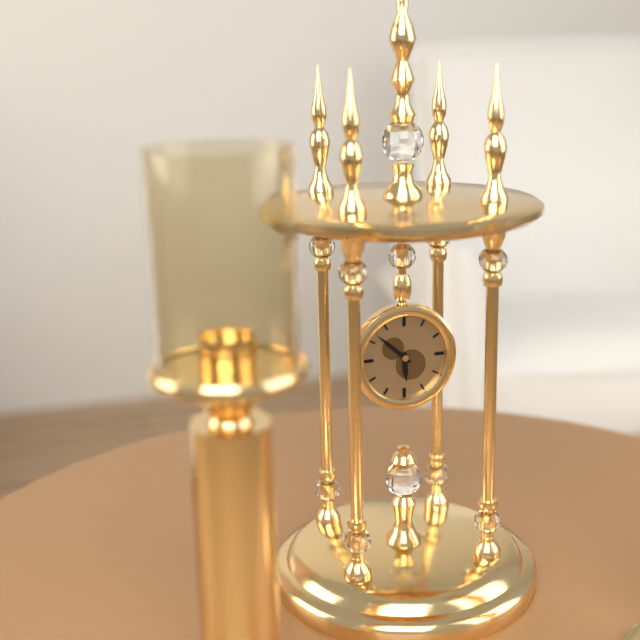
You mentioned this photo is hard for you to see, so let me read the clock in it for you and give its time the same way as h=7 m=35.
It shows h=5 m=52
